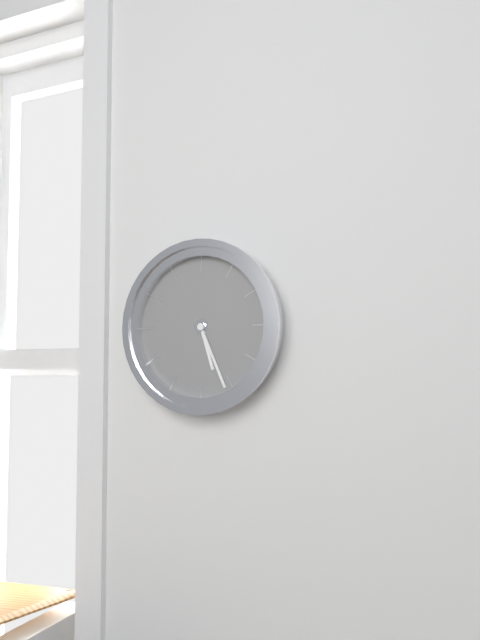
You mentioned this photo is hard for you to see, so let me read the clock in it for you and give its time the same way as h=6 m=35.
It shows h=5 m=26
